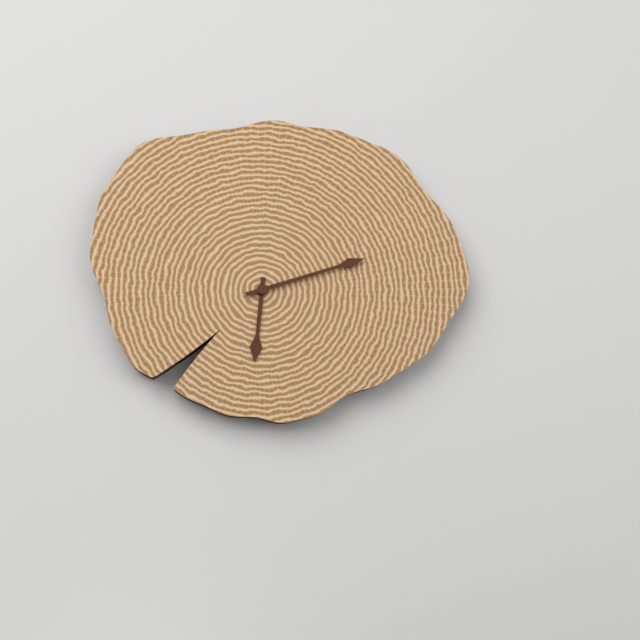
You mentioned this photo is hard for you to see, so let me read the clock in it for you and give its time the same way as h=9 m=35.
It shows h=6 m=12
